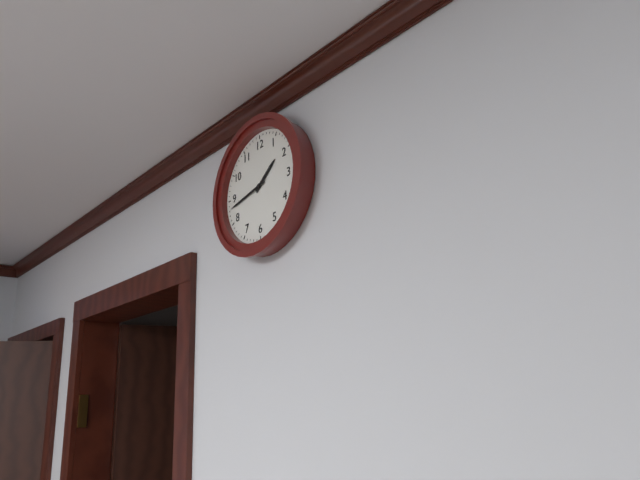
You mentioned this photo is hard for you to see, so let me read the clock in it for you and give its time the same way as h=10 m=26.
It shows h=1 m=43
